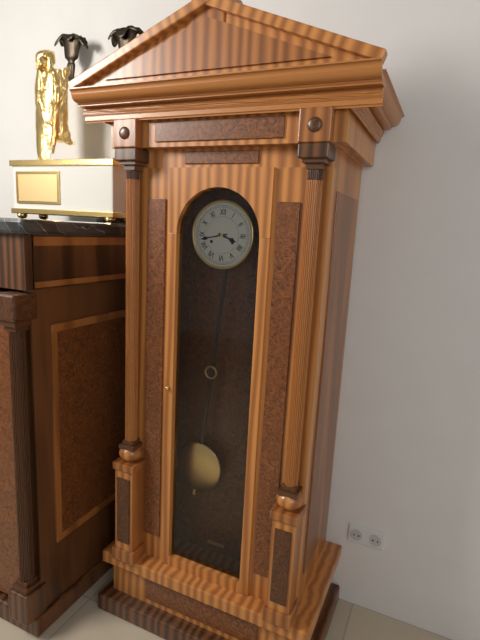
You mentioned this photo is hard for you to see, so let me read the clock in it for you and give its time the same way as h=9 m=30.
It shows h=3 m=43
